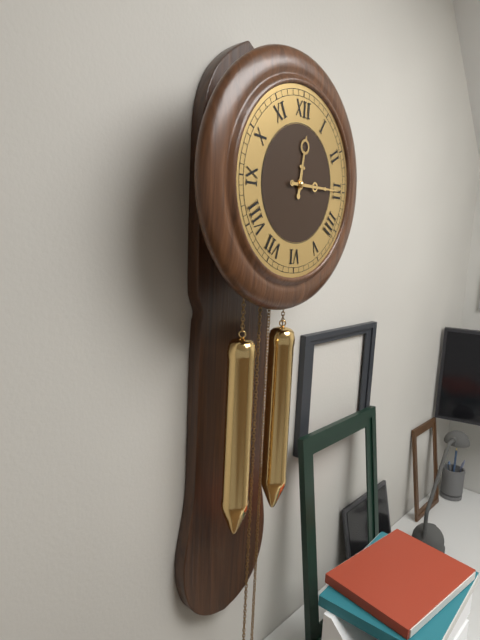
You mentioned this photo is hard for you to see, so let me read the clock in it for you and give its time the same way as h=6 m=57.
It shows h=12 m=15
